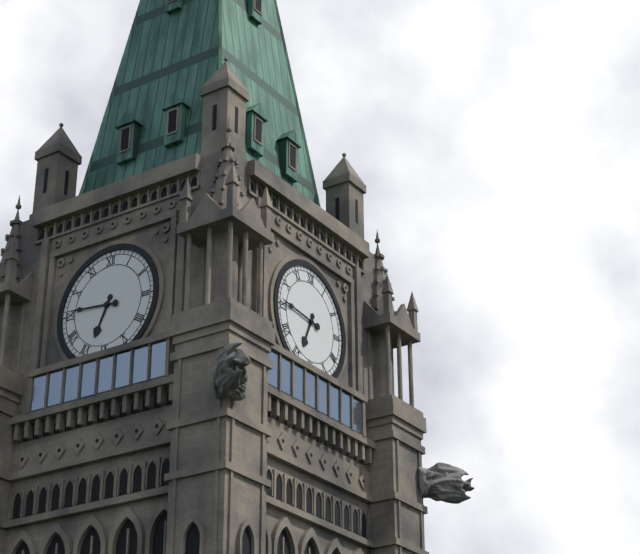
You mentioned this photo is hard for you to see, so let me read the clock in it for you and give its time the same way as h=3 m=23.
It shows h=6 m=46
